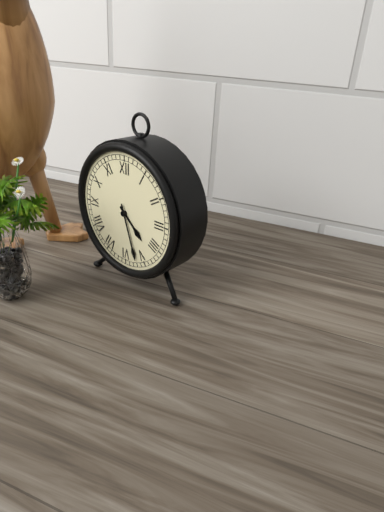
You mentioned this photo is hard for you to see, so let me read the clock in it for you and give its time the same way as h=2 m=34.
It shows h=4 m=27
